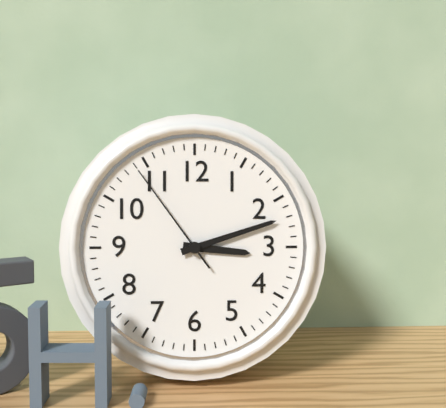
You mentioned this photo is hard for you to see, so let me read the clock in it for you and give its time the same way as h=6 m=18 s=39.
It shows h=3 m=12 s=54
